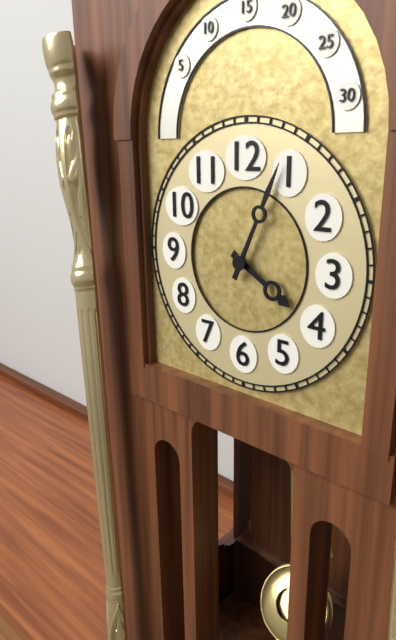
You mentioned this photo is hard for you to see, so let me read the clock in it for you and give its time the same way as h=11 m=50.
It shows h=4 m=4
